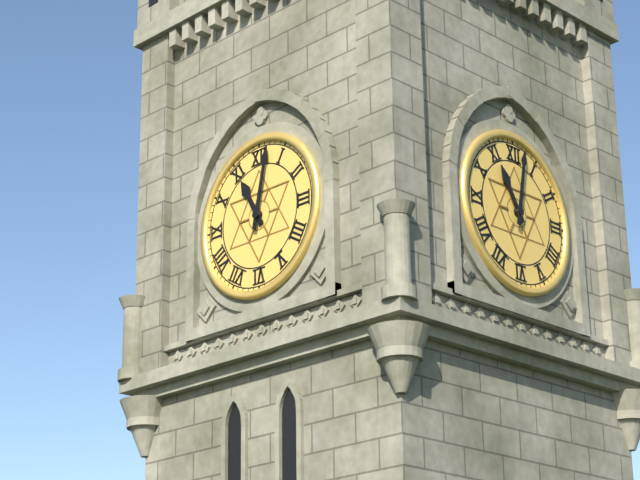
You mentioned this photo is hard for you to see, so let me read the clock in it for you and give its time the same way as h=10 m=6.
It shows h=11 m=2
